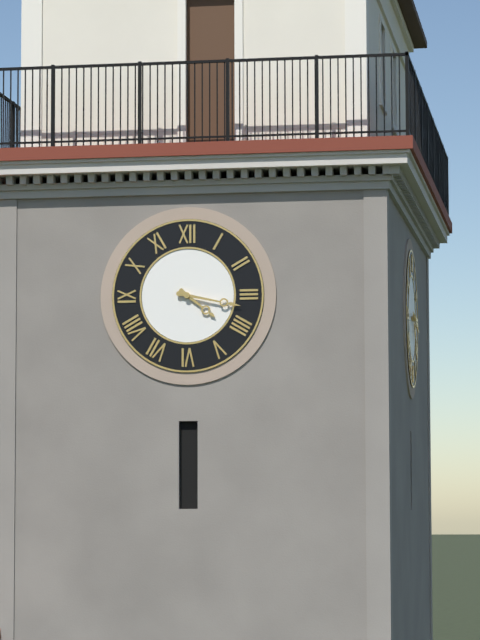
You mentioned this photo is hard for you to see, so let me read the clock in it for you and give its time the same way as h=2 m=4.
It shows h=4 m=17
